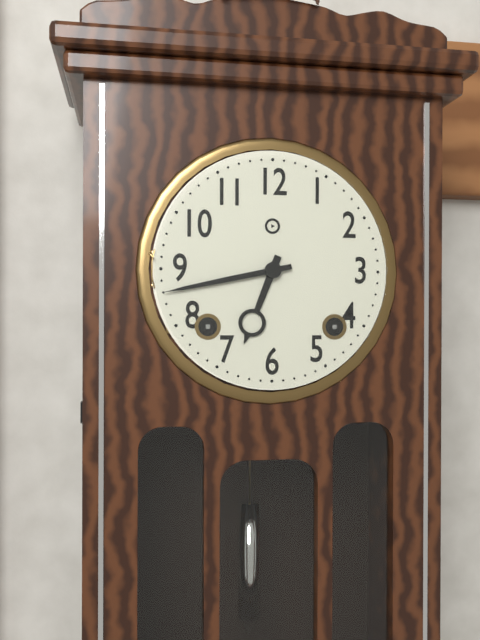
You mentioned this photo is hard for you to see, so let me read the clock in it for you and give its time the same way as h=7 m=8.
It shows h=6 m=43
